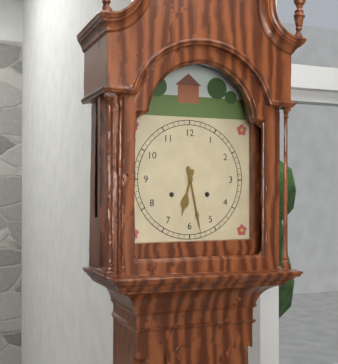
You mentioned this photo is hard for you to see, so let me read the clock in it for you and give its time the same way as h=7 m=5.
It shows h=6 m=28
